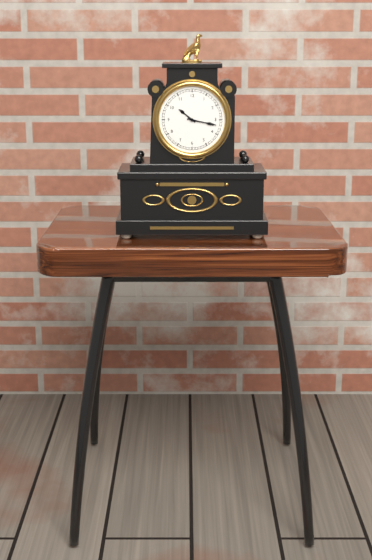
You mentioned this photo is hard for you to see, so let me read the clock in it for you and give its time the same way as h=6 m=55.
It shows h=10 m=17
